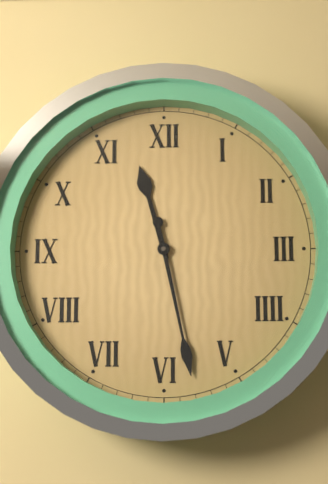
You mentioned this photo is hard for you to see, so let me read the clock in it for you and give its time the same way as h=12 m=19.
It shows h=11 m=28
